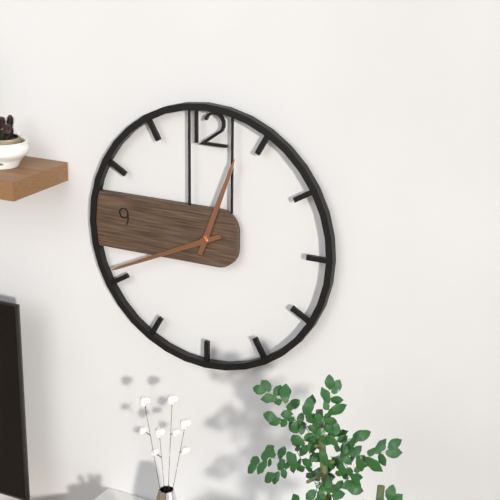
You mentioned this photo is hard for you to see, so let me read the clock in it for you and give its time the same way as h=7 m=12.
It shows h=12 m=41
